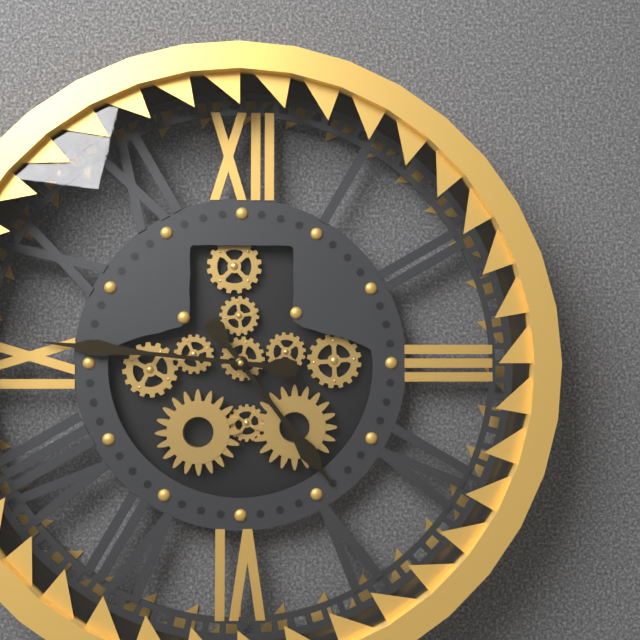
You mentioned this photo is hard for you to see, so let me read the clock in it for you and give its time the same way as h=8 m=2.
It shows h=4 m=46
